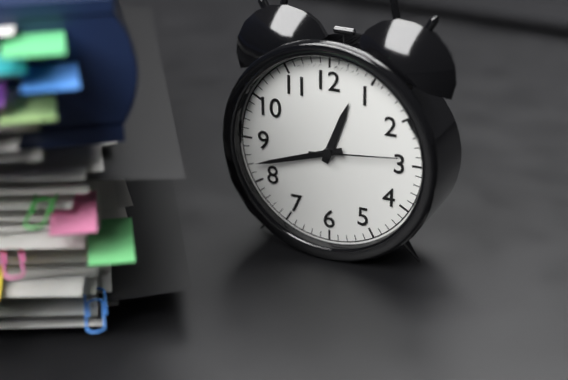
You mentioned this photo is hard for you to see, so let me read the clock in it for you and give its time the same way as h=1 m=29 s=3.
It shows h=12 m=42 s=14
